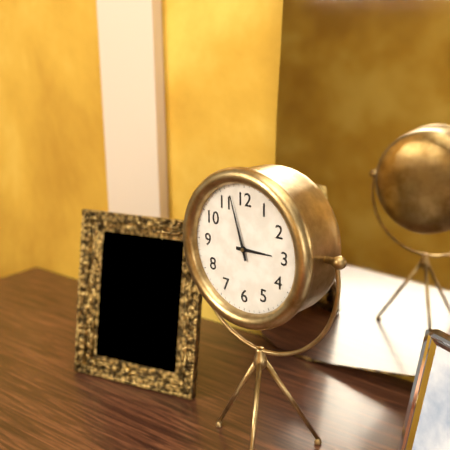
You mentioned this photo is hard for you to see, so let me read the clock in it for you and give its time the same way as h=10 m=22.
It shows h=2 m=57
